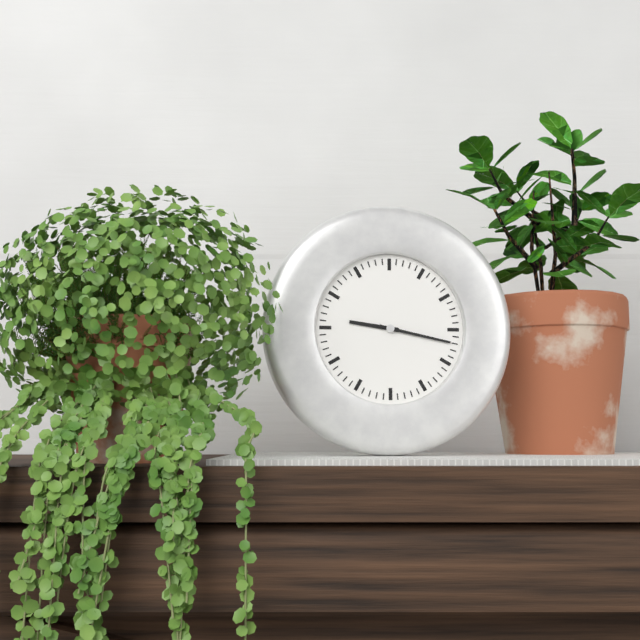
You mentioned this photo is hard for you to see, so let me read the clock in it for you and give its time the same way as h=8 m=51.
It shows h=9 m=17
